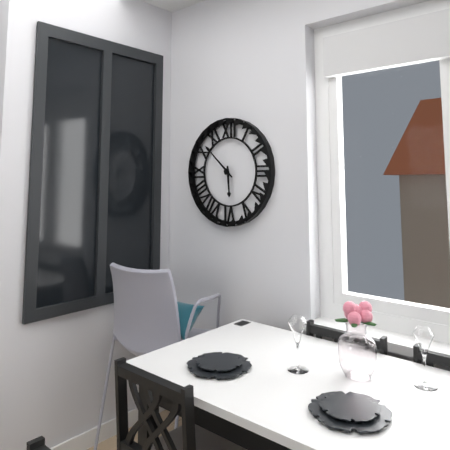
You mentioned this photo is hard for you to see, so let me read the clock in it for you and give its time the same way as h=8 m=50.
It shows h=5 m=52
